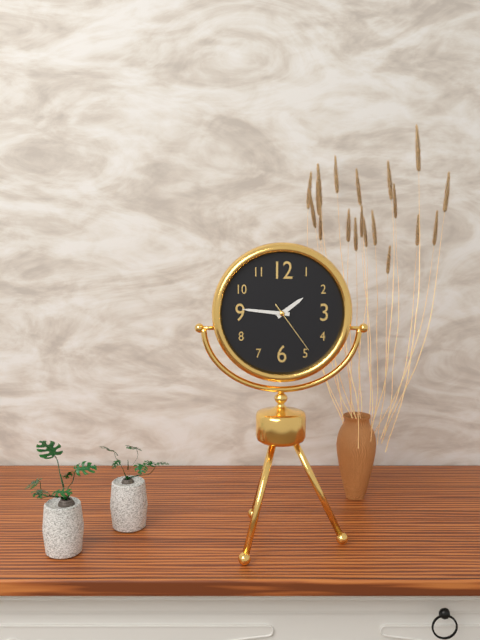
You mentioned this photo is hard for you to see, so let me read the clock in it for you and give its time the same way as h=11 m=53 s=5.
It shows h=1 m=46 s=24
